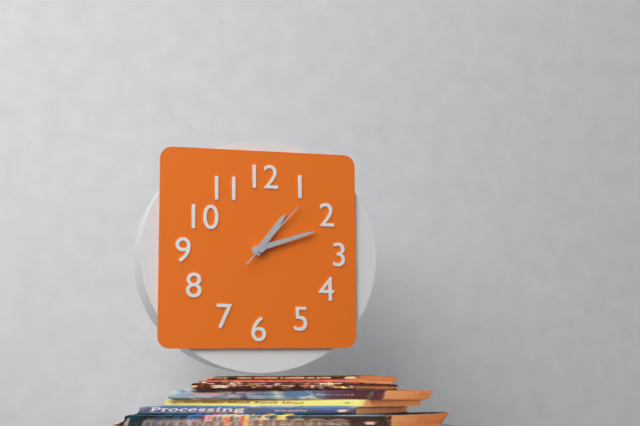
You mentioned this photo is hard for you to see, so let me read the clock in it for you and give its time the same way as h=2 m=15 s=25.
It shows h=1 m=12 s=7
